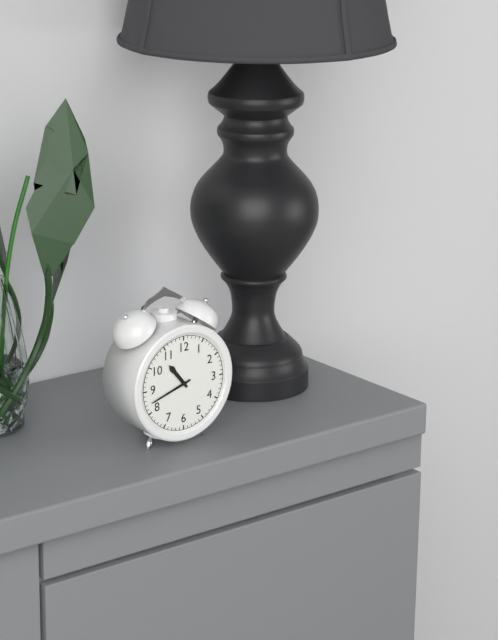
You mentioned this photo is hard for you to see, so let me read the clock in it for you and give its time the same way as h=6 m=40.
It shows h=10 m=42
